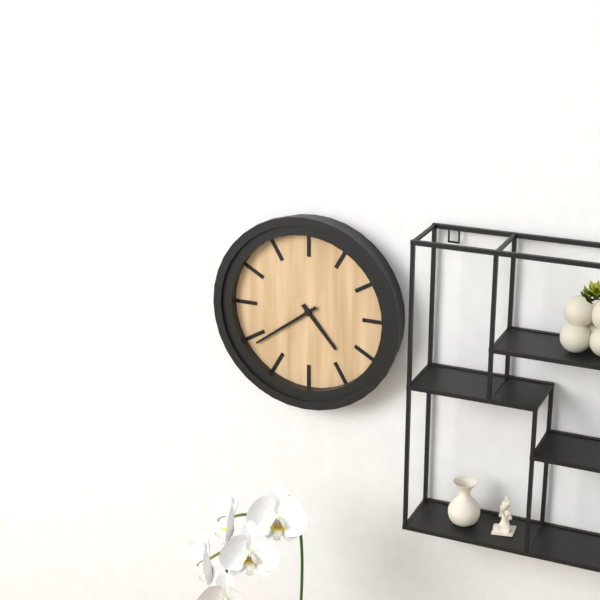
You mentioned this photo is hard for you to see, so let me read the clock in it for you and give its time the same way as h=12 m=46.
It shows h=4 m=39
